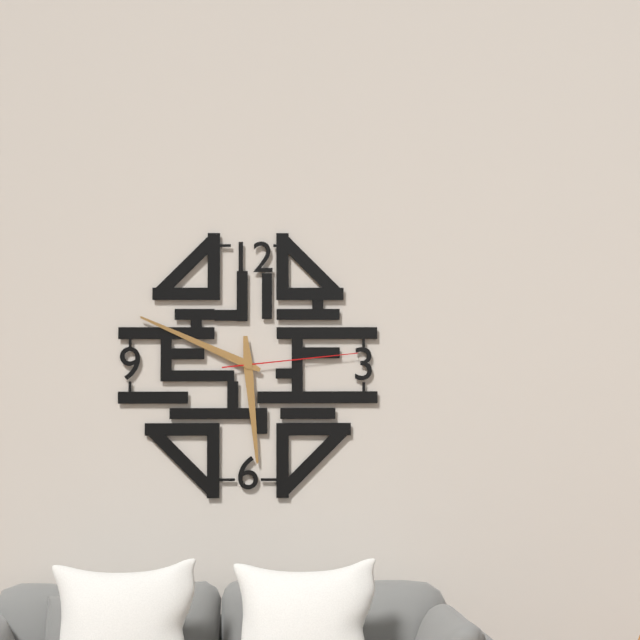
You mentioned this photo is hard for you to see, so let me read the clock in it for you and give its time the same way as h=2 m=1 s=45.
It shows h=5 m=49 s=14
